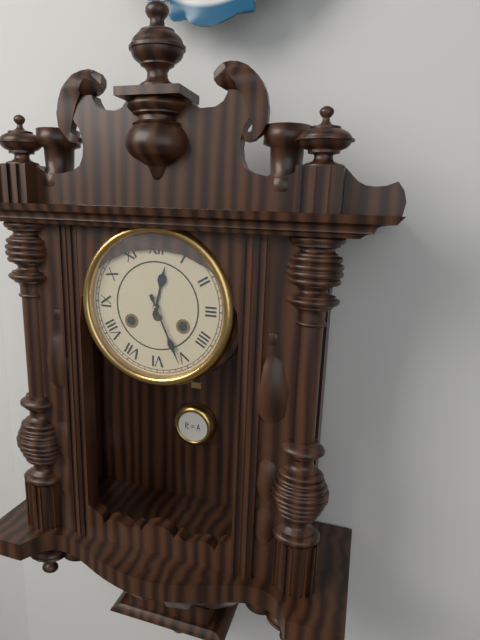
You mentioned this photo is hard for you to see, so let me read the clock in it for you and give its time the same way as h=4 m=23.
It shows h=12 m=26
